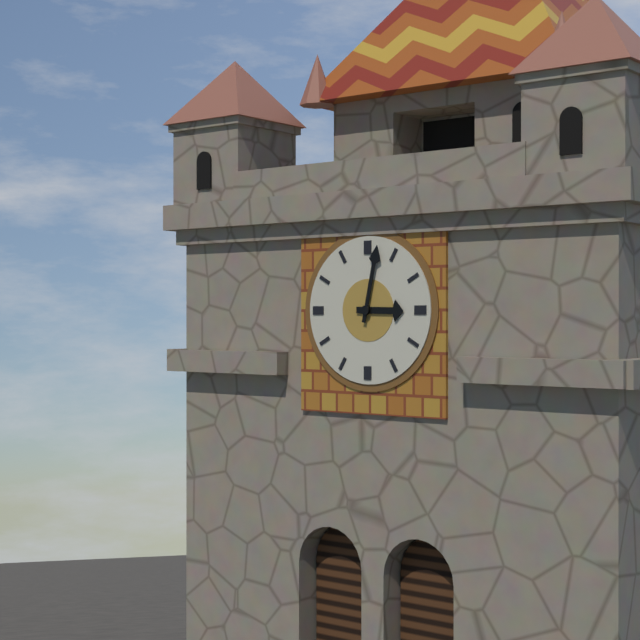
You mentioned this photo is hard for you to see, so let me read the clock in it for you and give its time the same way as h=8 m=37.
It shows h=3 m=2
